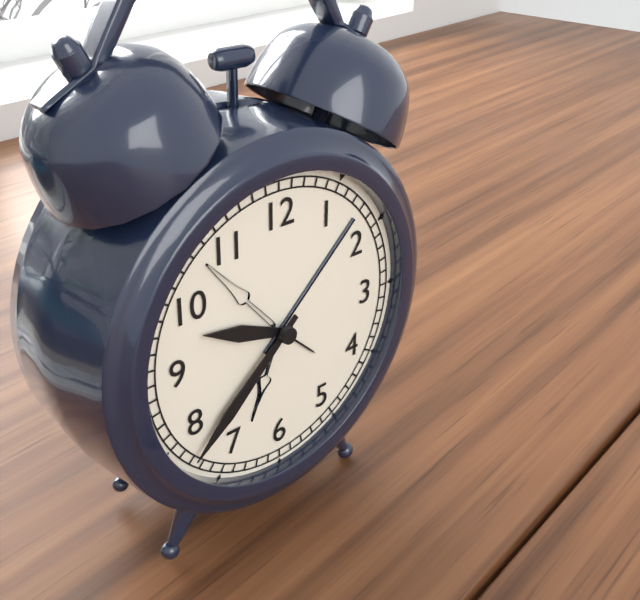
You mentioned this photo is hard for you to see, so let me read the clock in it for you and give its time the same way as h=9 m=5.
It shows h=9 m=38
